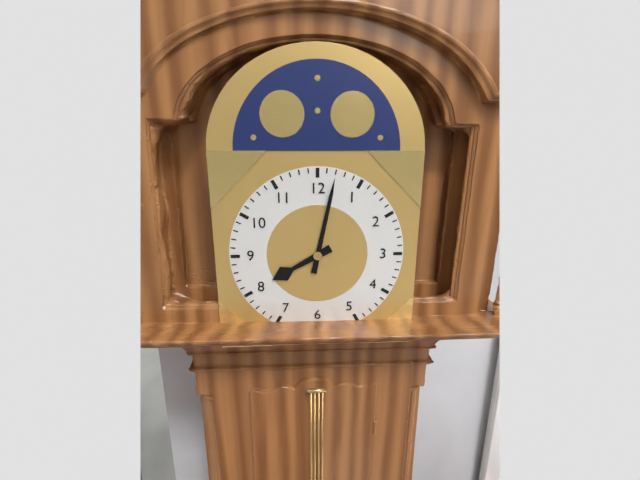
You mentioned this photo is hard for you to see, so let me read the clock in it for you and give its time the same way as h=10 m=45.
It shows h=8 m=2
